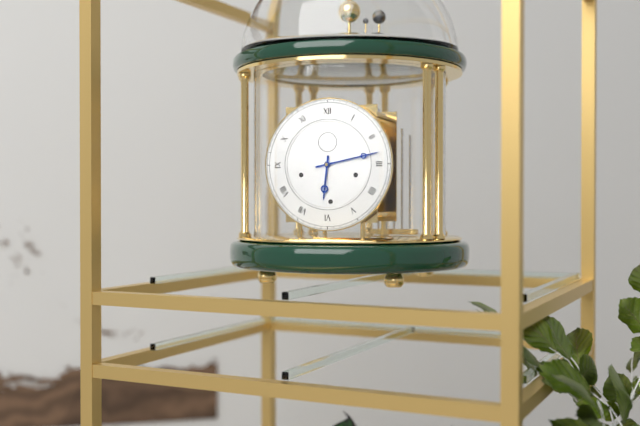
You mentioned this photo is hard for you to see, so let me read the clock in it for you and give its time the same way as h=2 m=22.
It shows h=6 m=13
